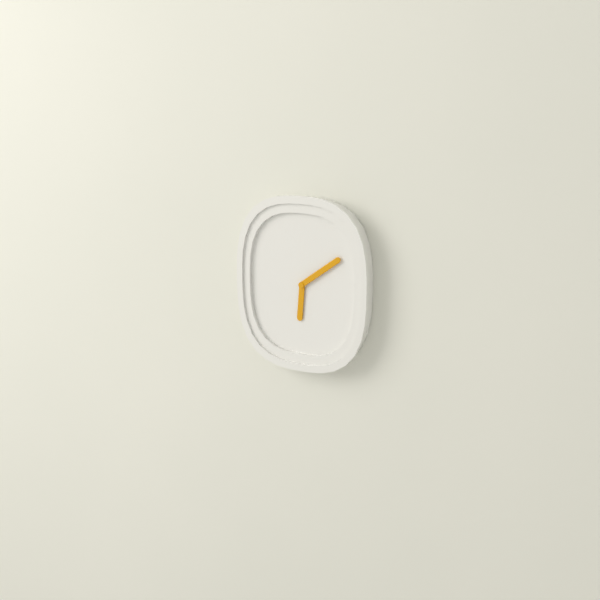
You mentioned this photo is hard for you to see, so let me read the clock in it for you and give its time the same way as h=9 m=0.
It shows h=6 m=9
